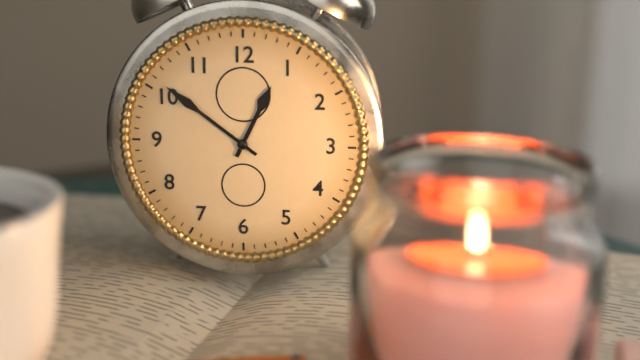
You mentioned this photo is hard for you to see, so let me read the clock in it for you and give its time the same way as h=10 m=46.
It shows h=12 m=51
